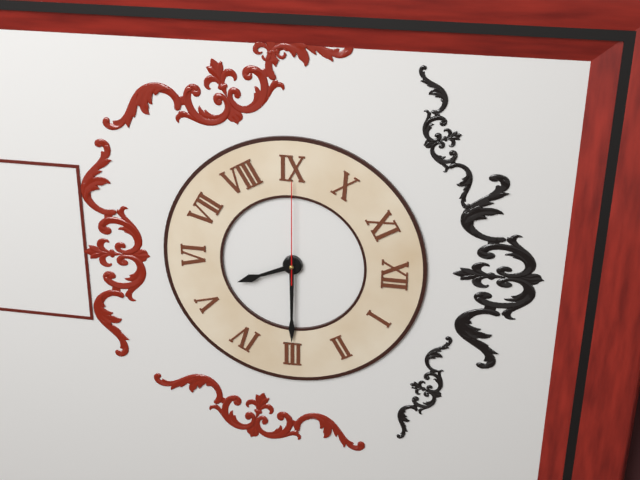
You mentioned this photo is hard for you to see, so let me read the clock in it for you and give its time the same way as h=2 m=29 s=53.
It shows h=5 m=15 s=45
